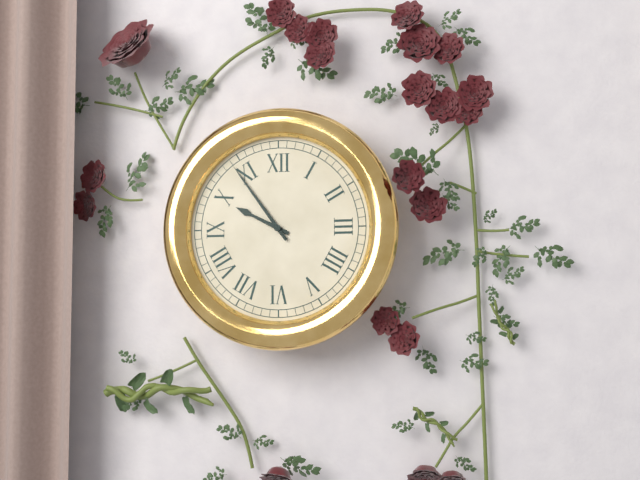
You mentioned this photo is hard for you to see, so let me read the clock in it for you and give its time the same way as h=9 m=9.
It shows h=9 m=54
